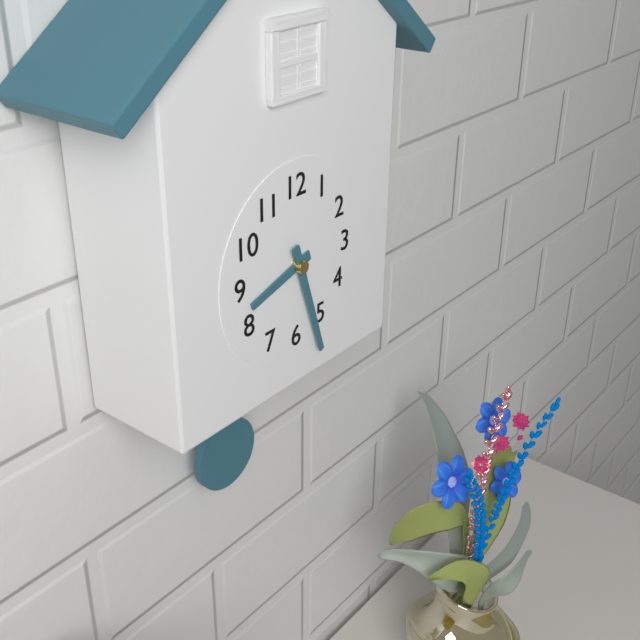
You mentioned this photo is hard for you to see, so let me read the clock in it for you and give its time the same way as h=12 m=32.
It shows h=8 m=27
